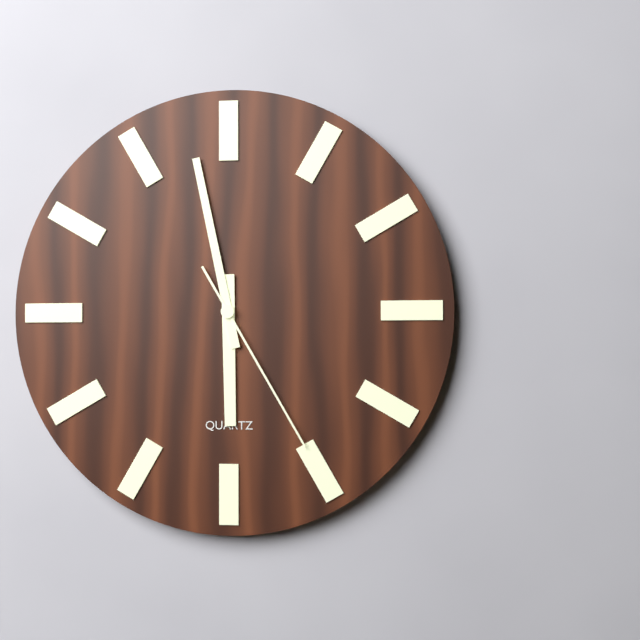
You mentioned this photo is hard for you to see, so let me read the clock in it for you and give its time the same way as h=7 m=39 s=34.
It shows h=5 m=58 s=25
